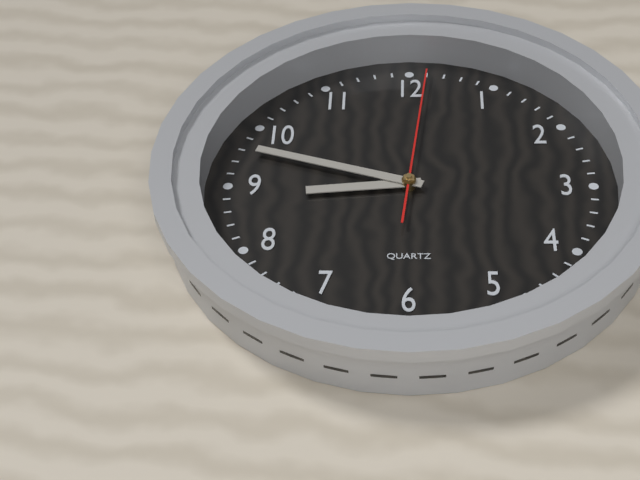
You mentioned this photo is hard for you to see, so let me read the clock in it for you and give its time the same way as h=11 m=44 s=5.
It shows h=8 m=48 s=1
